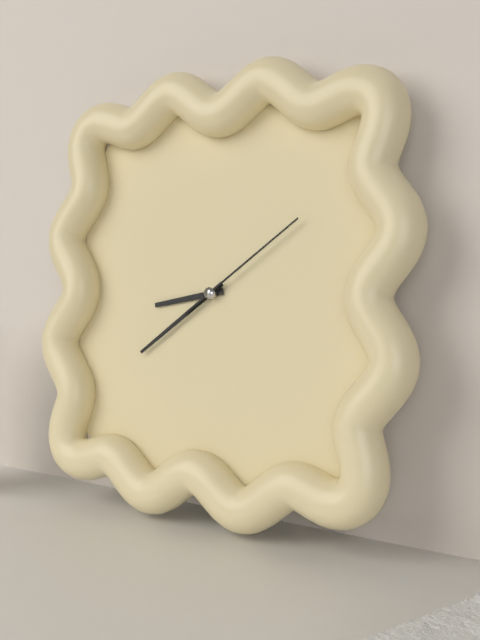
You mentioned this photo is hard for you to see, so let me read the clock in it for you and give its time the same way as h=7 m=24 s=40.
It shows h=8 m=39 s=9
